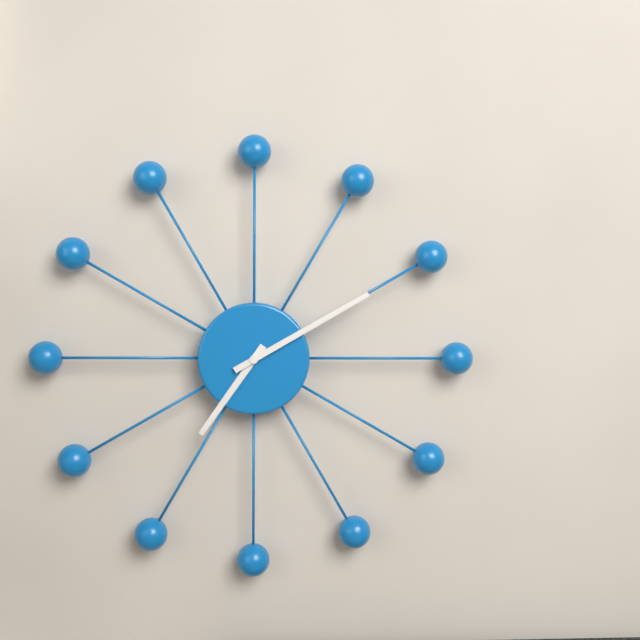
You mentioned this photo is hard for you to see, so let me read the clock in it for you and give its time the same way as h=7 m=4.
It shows h=7 m=10
